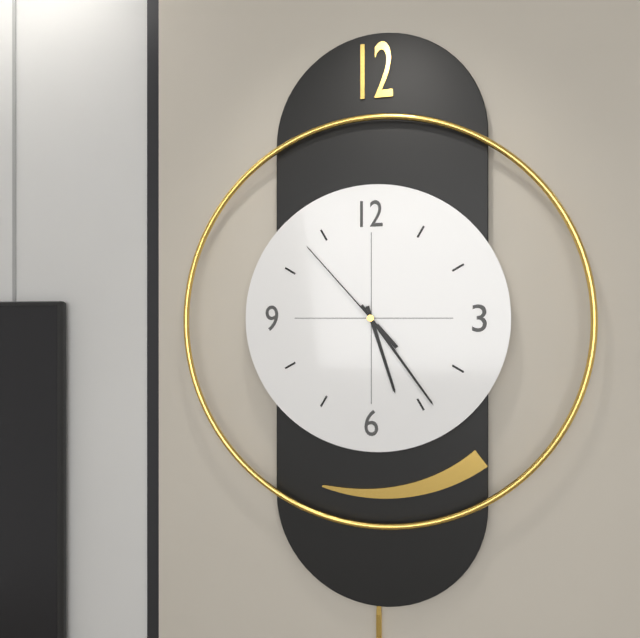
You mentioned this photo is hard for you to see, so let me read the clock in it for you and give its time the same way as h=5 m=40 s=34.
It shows h=5 m=24 s=53
